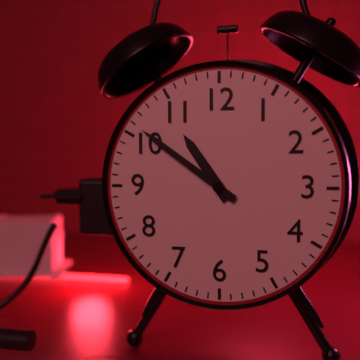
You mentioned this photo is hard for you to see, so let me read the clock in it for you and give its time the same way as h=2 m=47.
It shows h=10 m=51
